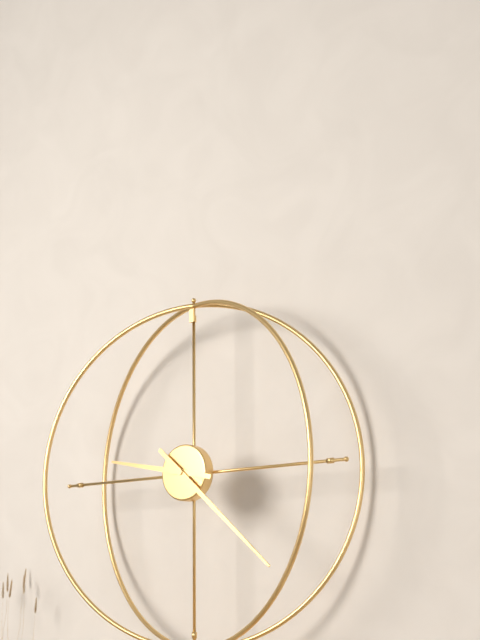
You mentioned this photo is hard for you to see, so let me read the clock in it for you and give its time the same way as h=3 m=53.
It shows h=9 m=22
